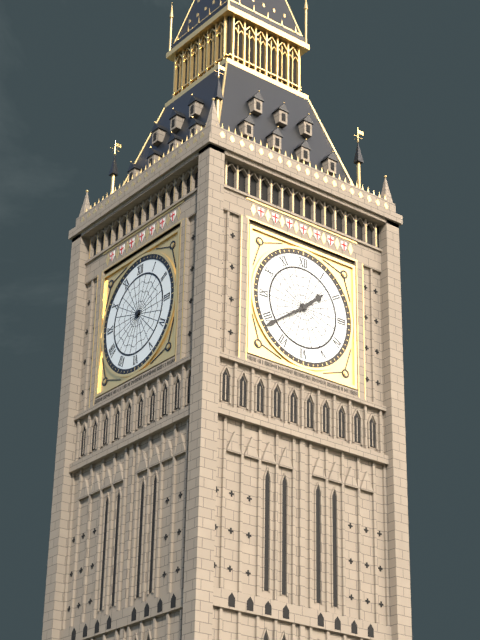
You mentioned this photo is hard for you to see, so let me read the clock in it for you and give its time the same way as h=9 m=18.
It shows h=1 m=39
